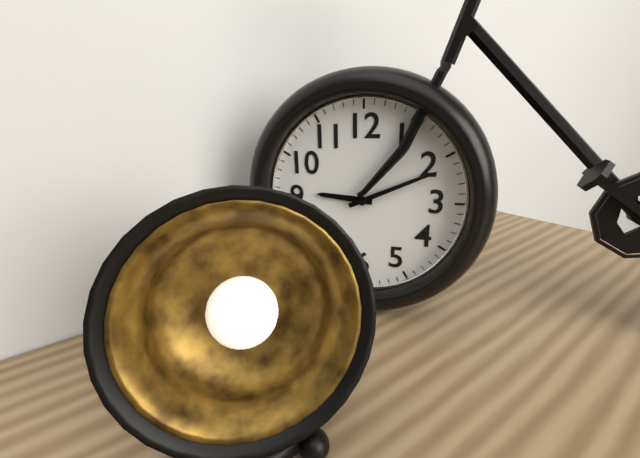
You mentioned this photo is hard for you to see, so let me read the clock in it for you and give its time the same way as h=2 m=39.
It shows h=9 m=11
